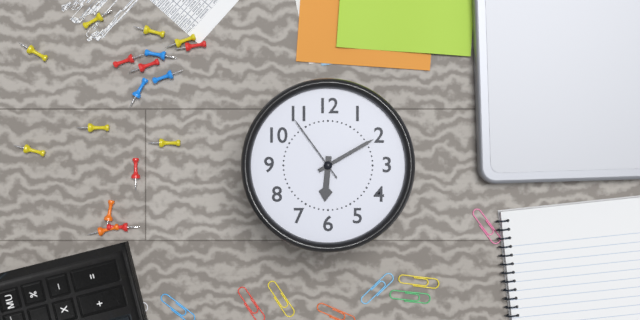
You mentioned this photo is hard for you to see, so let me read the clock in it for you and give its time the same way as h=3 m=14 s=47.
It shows h=6 m=10 s=54
